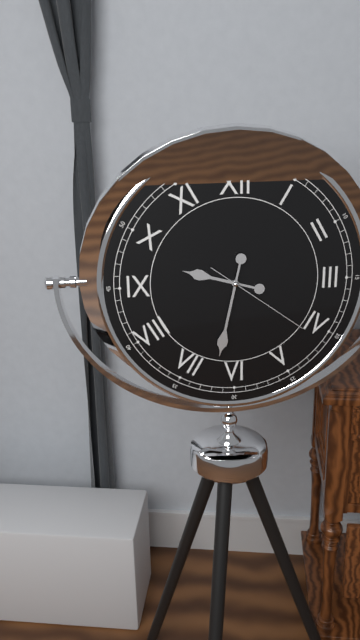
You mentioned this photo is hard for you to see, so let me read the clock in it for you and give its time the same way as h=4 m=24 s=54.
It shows h=9 m=32 s=21
